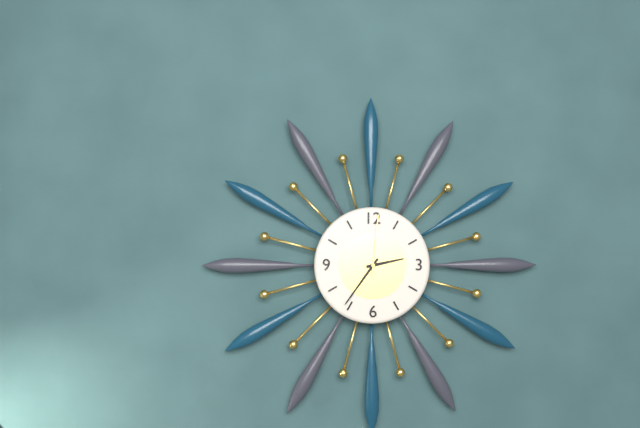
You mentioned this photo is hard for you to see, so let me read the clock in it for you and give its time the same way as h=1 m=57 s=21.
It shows h=2 m=36 s=1
